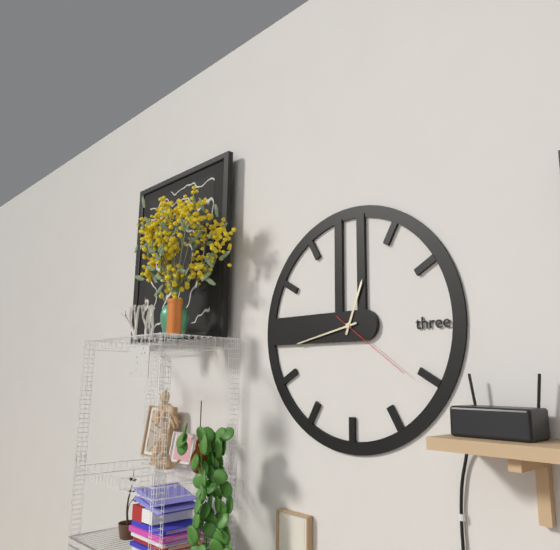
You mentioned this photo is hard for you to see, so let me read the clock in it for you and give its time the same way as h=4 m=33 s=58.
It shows h=12 m=43 s=21
